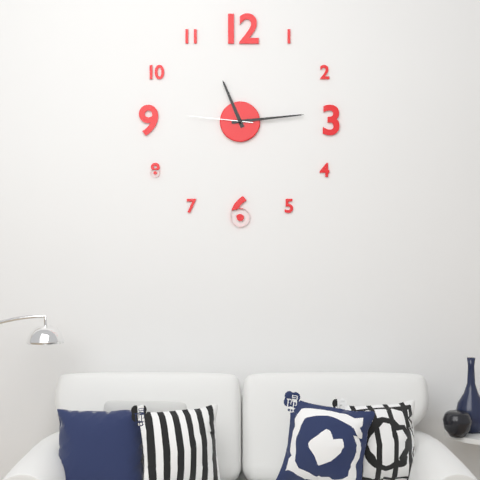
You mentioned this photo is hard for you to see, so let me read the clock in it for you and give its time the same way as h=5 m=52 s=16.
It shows h=11 m=14 s=46
